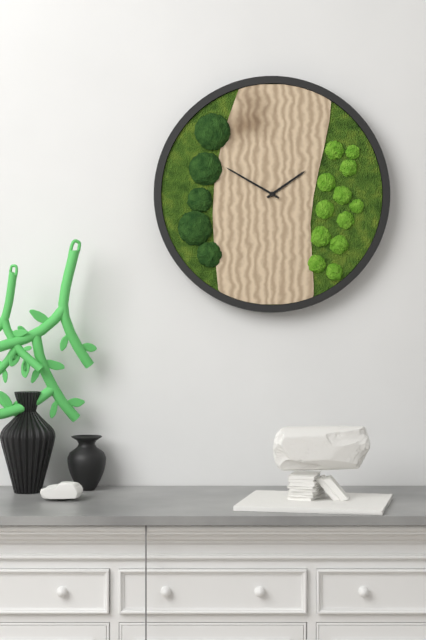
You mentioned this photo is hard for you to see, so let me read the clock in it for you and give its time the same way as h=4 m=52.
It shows h=1 m=50
